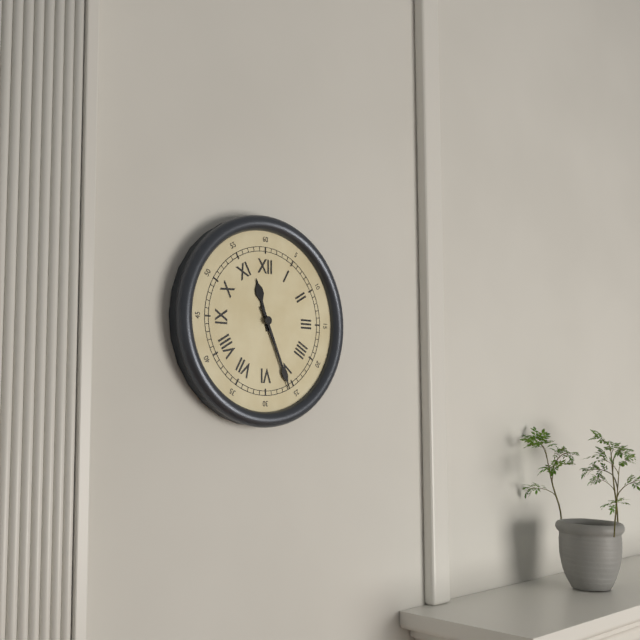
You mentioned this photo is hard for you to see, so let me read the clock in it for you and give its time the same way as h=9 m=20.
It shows h=11 m=26
